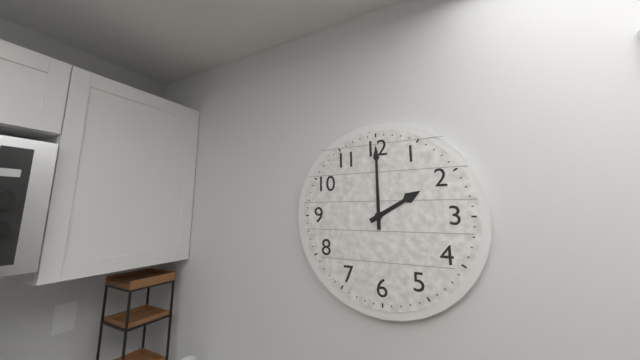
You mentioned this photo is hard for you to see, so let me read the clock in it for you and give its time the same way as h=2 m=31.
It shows h=2 m=0
